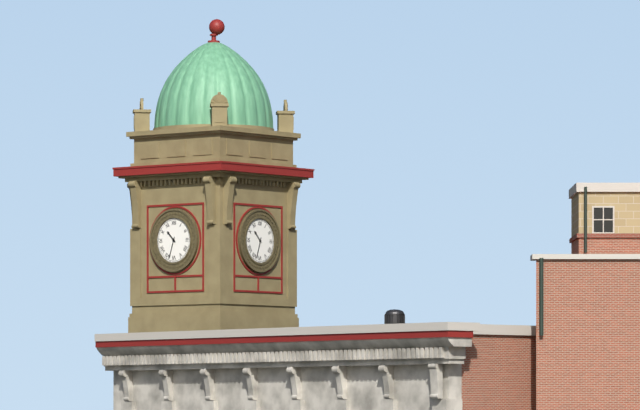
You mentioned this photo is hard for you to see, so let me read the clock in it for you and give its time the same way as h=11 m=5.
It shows h=10 m=33
